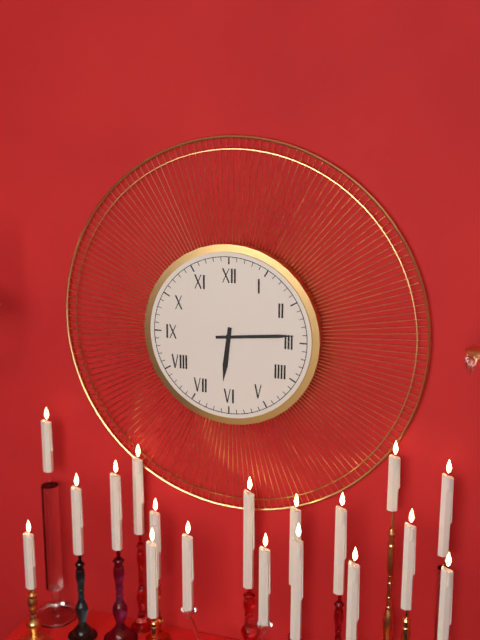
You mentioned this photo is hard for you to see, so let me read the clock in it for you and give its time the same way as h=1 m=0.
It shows h=6 m=14
